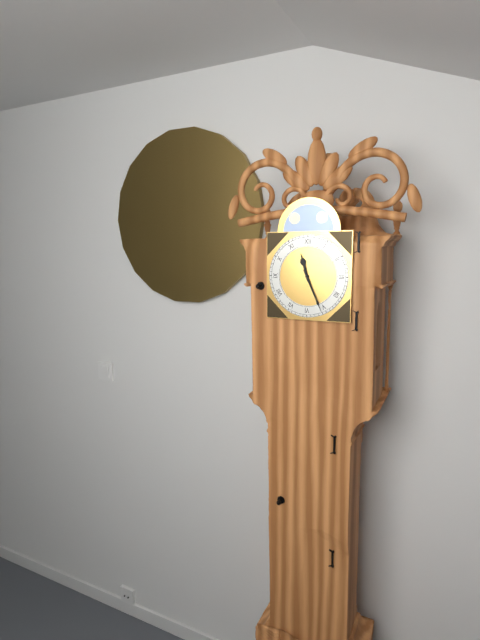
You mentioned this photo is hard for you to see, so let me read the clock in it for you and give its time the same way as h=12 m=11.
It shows h=11 m=26
